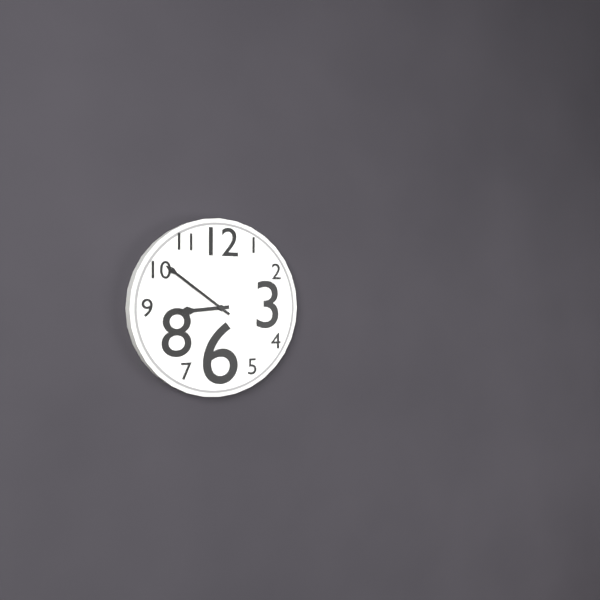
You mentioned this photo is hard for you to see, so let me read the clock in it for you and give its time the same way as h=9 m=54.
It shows h=8 m=51
